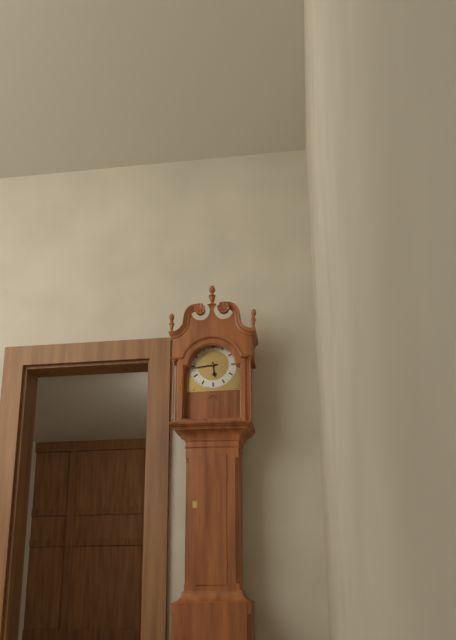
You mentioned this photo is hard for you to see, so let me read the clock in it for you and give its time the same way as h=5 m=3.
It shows h=5 m=44
